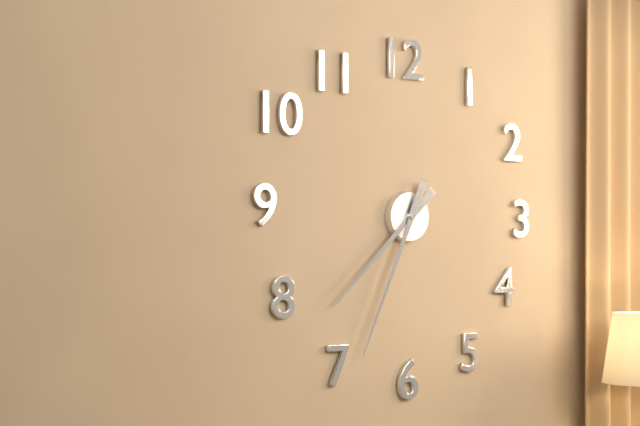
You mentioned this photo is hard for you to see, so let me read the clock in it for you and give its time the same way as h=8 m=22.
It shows h=7 m=34
